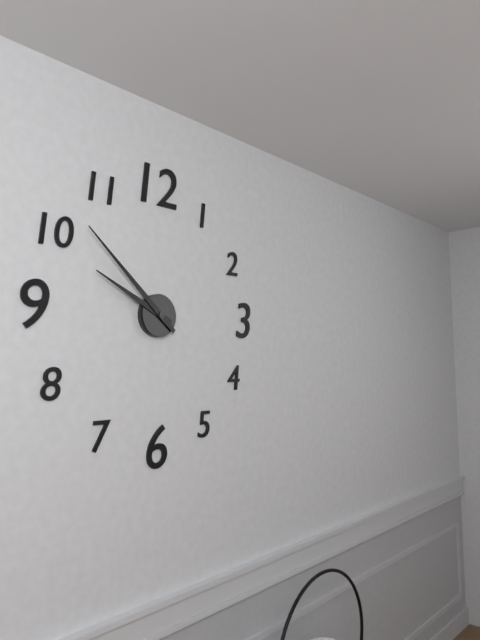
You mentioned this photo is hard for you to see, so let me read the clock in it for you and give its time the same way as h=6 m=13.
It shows h=9 m=52
